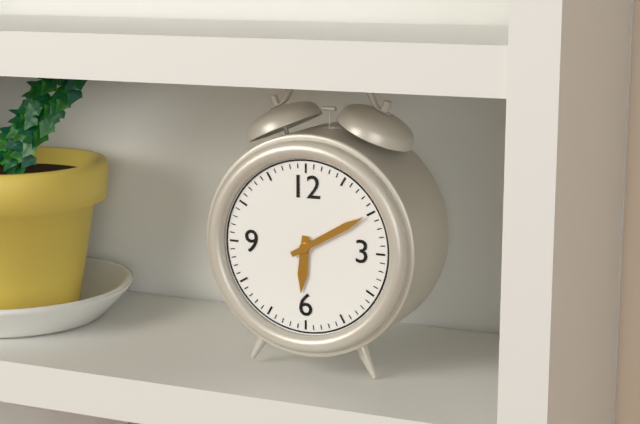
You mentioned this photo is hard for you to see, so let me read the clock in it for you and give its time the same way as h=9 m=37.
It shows h=6 m=10
